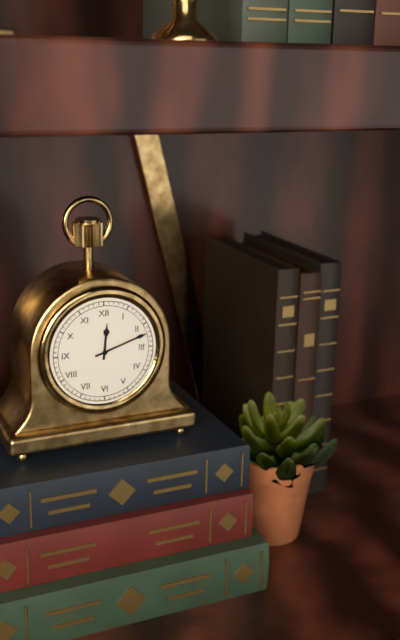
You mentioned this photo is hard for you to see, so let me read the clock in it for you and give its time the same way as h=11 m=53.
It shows h=12 m=12
